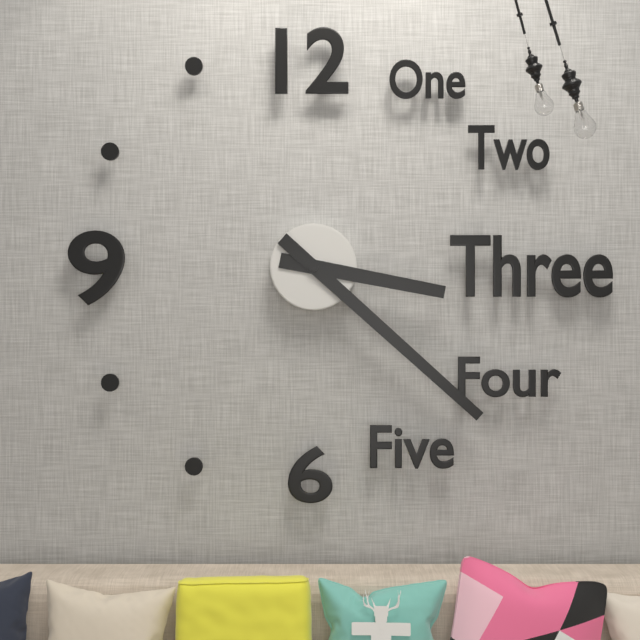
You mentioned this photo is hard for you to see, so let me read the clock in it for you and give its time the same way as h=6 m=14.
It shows h=3 m=22
